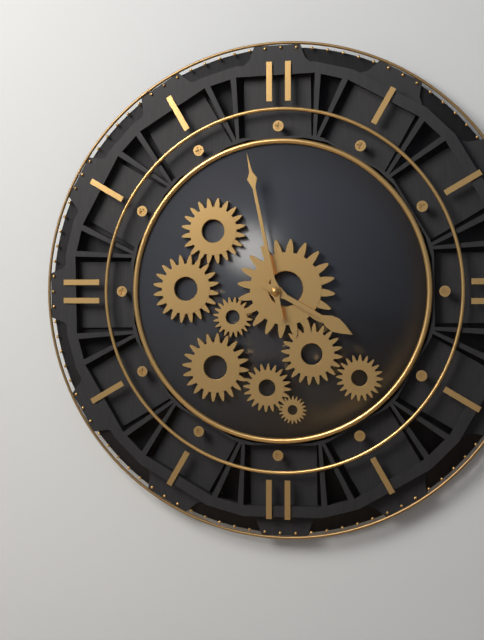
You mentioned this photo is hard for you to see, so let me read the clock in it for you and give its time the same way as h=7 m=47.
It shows h=3 m=58
